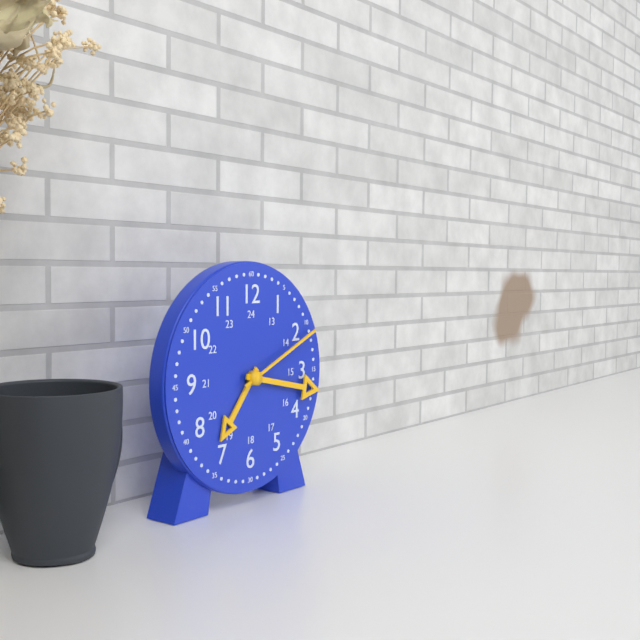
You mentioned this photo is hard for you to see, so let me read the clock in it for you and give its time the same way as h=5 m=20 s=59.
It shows h=7 m=17 s=11
